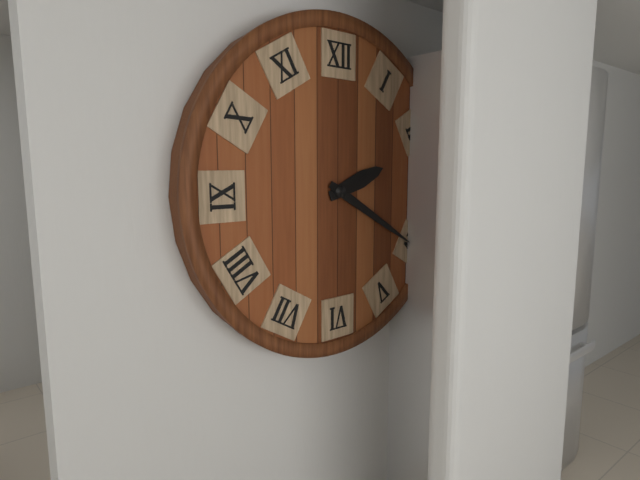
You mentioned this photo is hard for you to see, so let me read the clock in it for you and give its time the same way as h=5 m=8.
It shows h=2 m=20
